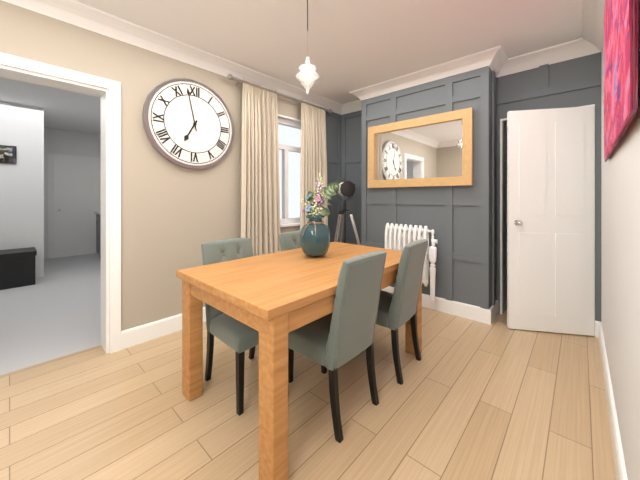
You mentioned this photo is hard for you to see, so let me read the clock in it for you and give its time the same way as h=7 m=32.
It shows h=6 m=58
